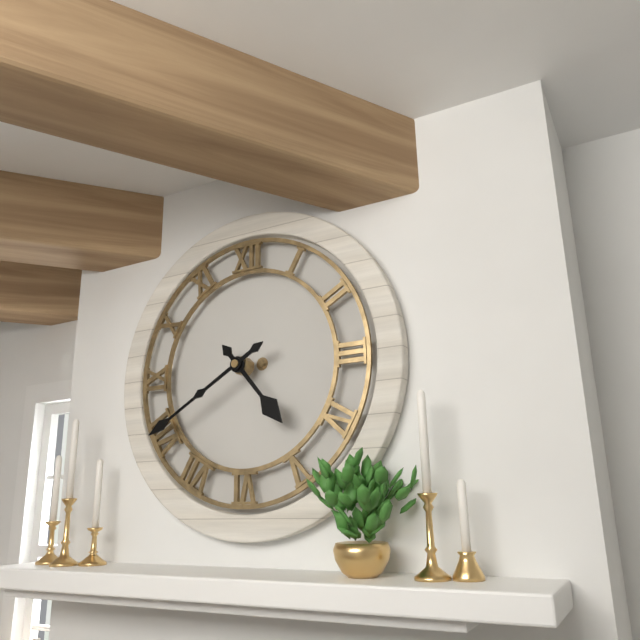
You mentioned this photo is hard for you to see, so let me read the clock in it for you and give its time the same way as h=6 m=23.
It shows h=4 m=40
